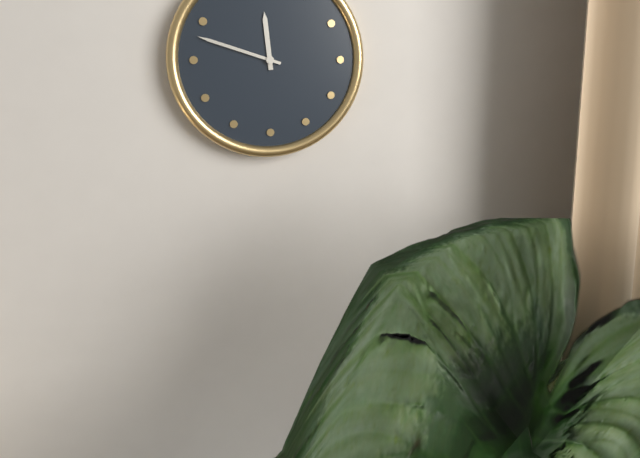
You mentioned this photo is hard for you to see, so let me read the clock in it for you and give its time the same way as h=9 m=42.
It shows h=11 m=48
